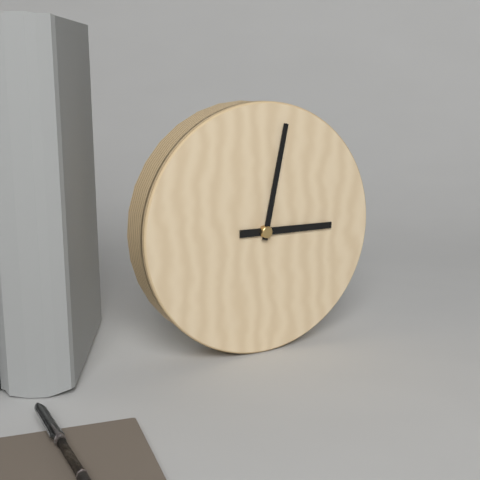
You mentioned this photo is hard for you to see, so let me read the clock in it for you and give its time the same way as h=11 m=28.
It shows h=3 m=2
